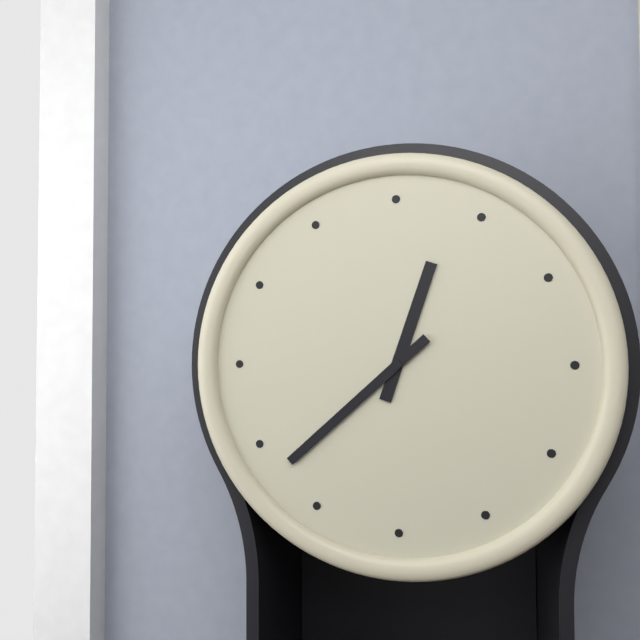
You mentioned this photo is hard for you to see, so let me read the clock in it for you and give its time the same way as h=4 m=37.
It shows h=12 m=38
